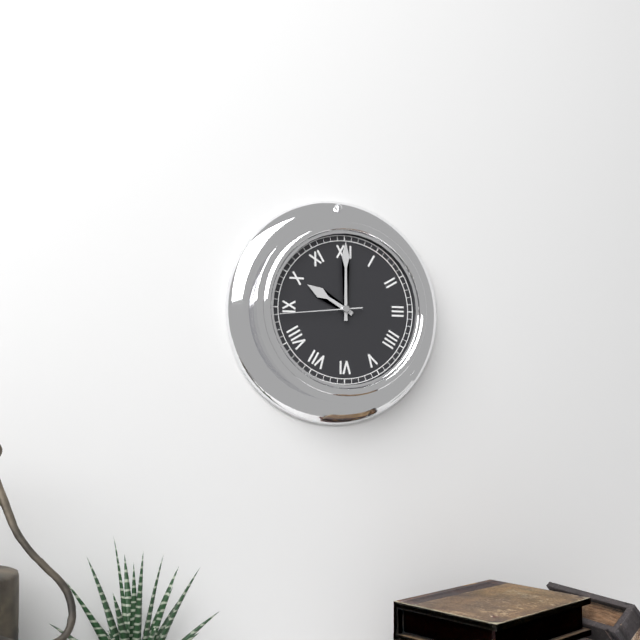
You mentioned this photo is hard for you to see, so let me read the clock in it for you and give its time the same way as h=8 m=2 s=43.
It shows h=10 m=0 s=44
